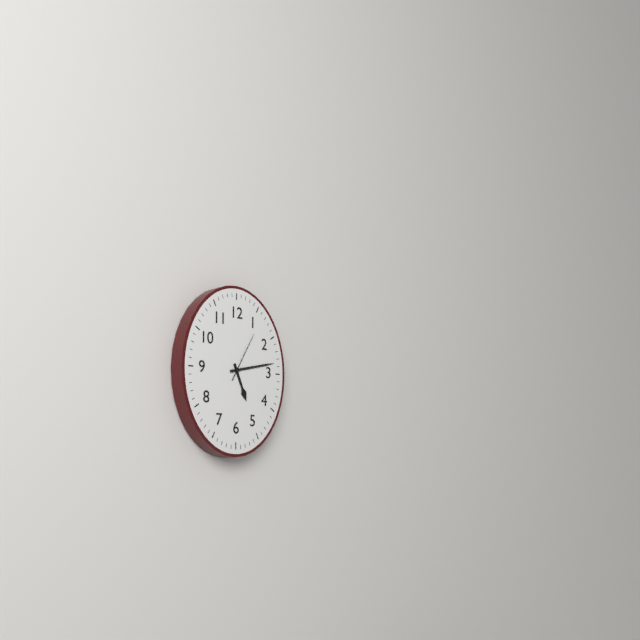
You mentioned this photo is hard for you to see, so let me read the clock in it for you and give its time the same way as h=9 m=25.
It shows h=5 m=13
